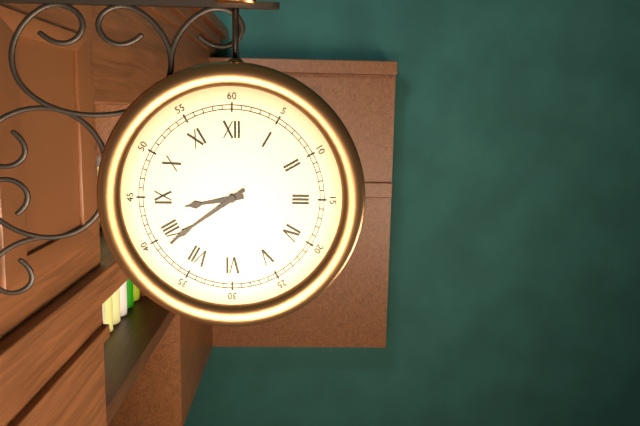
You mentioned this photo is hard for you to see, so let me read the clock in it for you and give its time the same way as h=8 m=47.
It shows h=8 m=39
